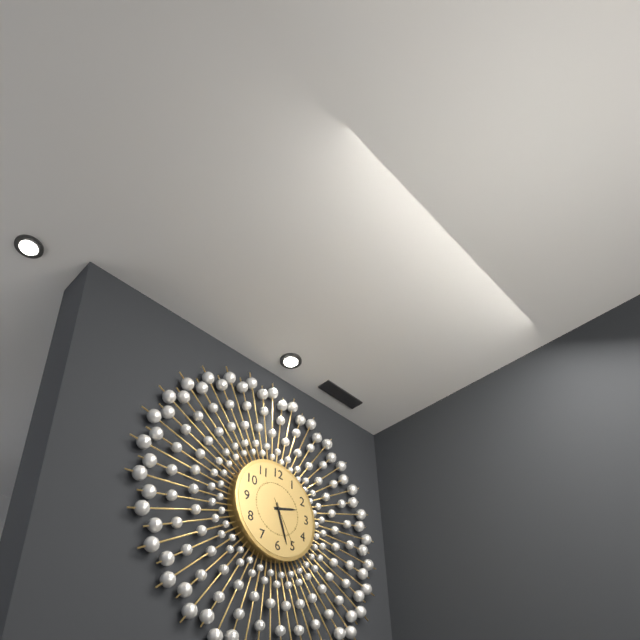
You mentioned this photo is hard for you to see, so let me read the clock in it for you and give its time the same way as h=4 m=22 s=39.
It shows h=2 m=27 s=25
